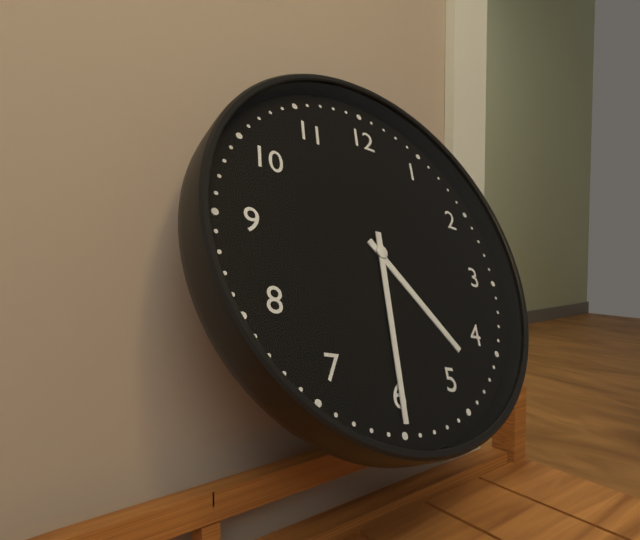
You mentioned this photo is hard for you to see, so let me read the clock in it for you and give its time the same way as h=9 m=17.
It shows h=4 m=30
